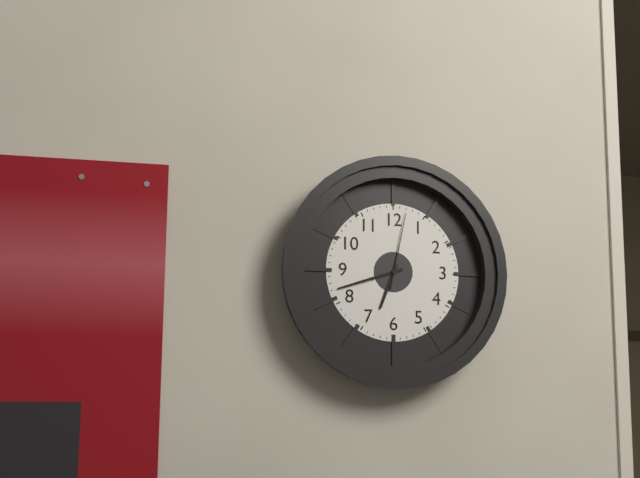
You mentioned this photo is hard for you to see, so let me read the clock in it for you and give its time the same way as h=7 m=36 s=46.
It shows h=6 m=42 s=2
